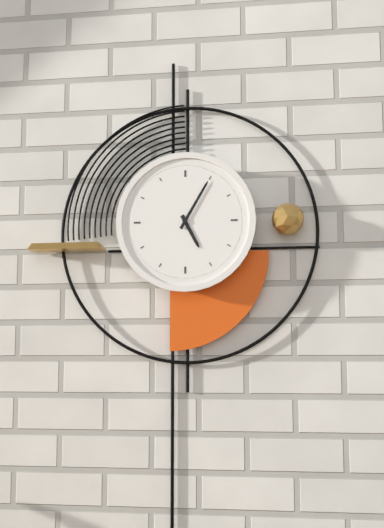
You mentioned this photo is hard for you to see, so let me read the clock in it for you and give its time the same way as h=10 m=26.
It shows h=5 m=5
